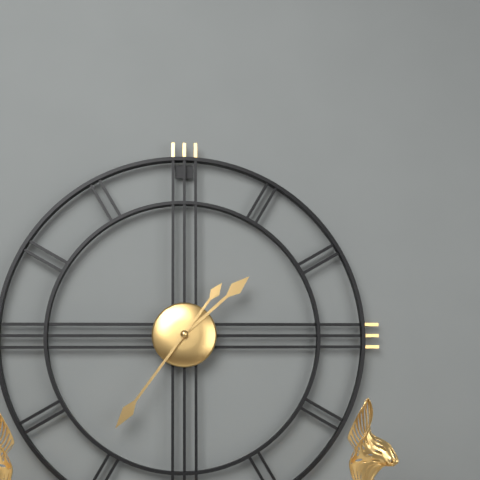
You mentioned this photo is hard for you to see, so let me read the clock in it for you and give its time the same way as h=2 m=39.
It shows h=1 m=36
